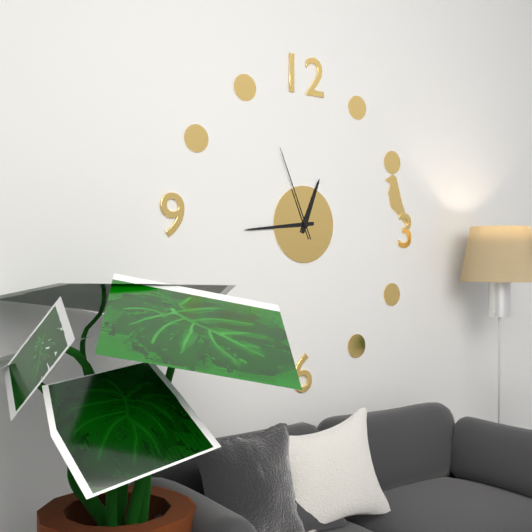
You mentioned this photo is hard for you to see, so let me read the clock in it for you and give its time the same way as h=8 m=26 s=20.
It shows h=12 m=44 s=56
